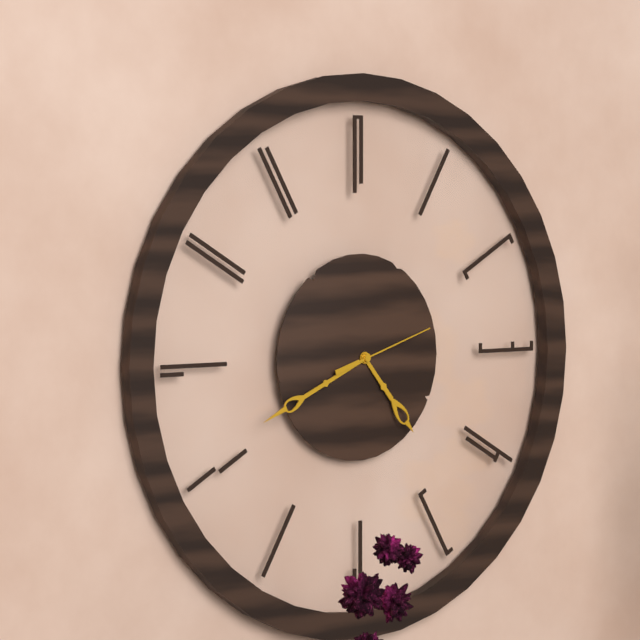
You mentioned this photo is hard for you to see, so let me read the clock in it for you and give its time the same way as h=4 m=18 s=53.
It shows h=4 m=41 s=12
